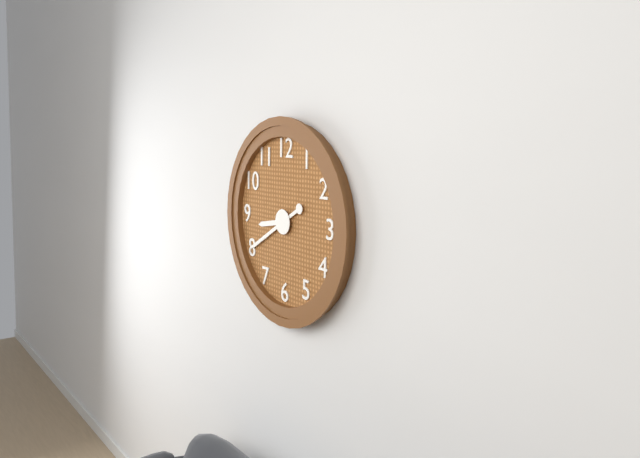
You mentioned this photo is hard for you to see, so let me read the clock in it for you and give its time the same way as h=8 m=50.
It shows h=8 m=40
